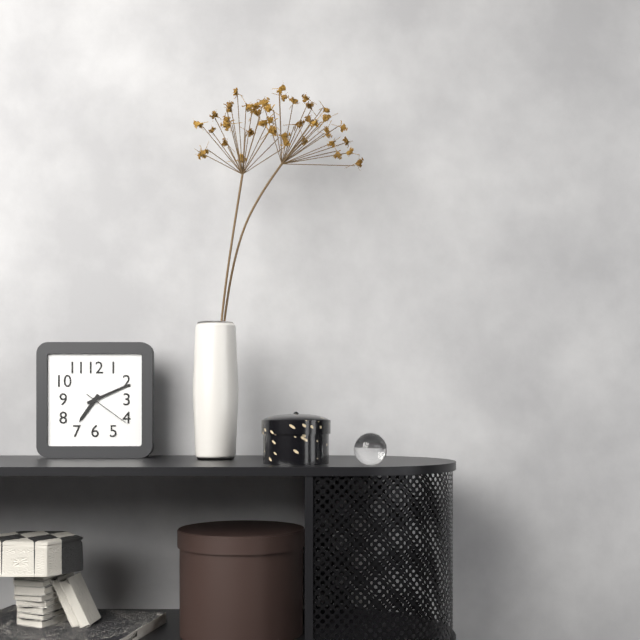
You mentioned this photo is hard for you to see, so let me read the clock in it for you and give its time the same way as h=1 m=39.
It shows h=7 m=11
